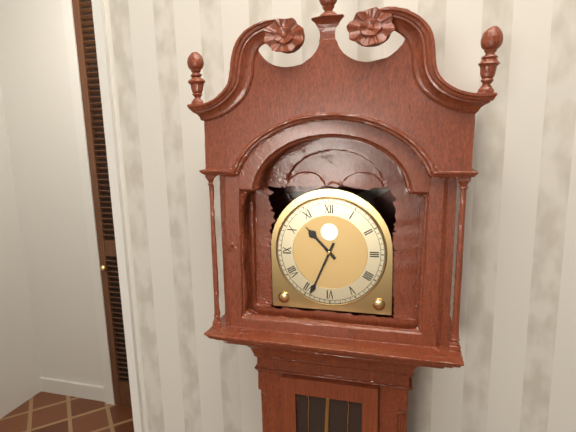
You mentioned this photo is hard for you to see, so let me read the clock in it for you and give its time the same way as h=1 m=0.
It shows h=10 m=34
